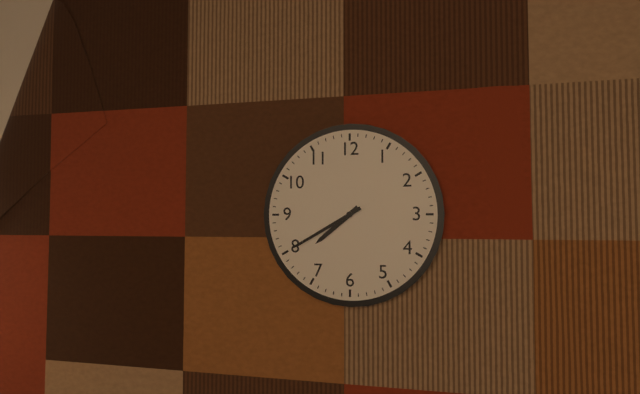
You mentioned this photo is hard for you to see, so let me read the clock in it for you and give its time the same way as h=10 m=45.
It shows h=7 m=40
